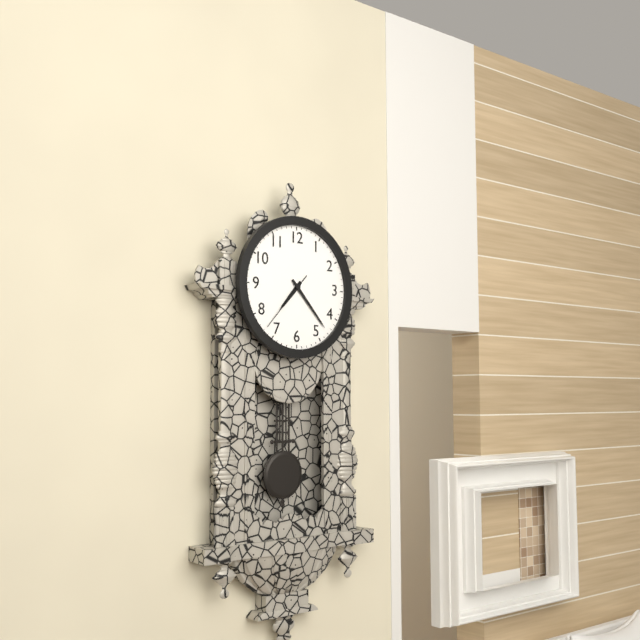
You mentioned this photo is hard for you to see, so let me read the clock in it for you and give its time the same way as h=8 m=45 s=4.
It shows h=7 m=23 s=37
